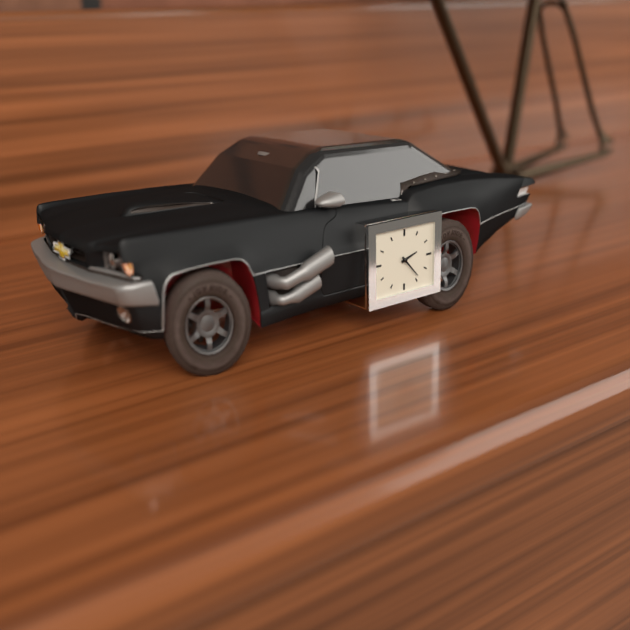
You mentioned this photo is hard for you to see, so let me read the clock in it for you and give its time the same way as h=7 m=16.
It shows h=2 m=23
